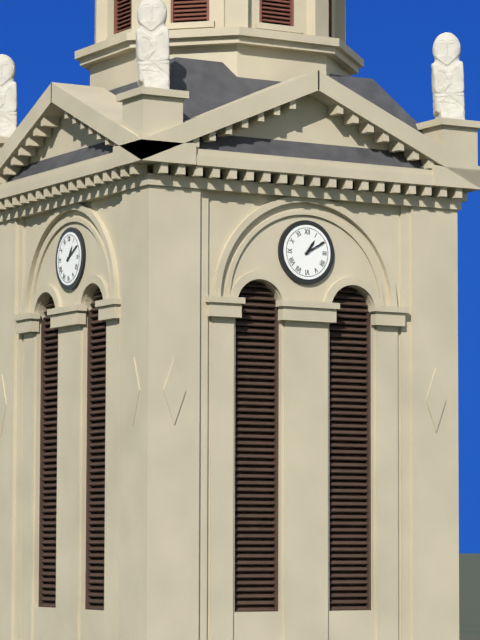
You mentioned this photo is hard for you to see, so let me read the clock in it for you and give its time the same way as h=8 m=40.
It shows h=1 m=10
